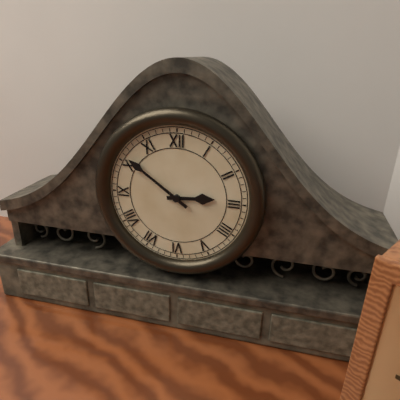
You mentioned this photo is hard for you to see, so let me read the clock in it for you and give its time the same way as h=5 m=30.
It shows h=2 m=51
